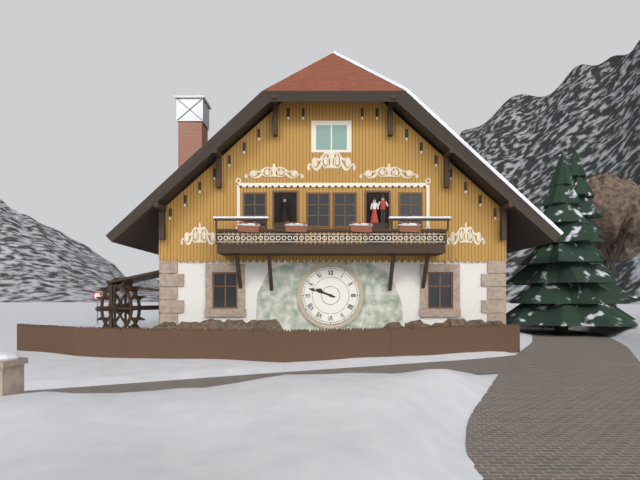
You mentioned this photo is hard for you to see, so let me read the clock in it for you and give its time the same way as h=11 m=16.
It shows h=9 m=48
